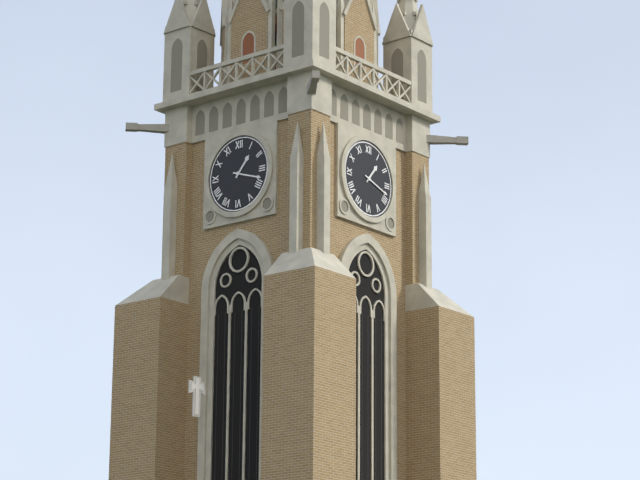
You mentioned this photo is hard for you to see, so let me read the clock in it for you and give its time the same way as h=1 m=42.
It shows h=1 m=18
